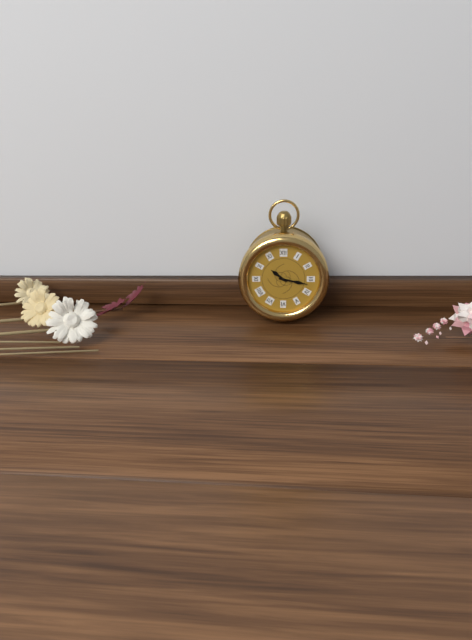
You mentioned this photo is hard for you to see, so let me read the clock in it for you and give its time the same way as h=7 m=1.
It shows h=10 m=17
